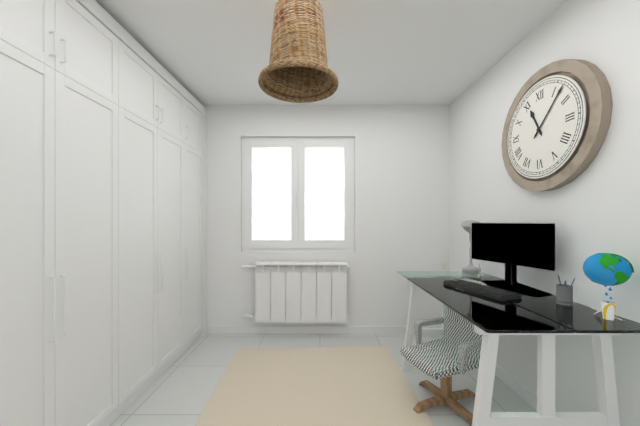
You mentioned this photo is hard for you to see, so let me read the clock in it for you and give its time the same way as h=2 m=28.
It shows h=11 m=7
